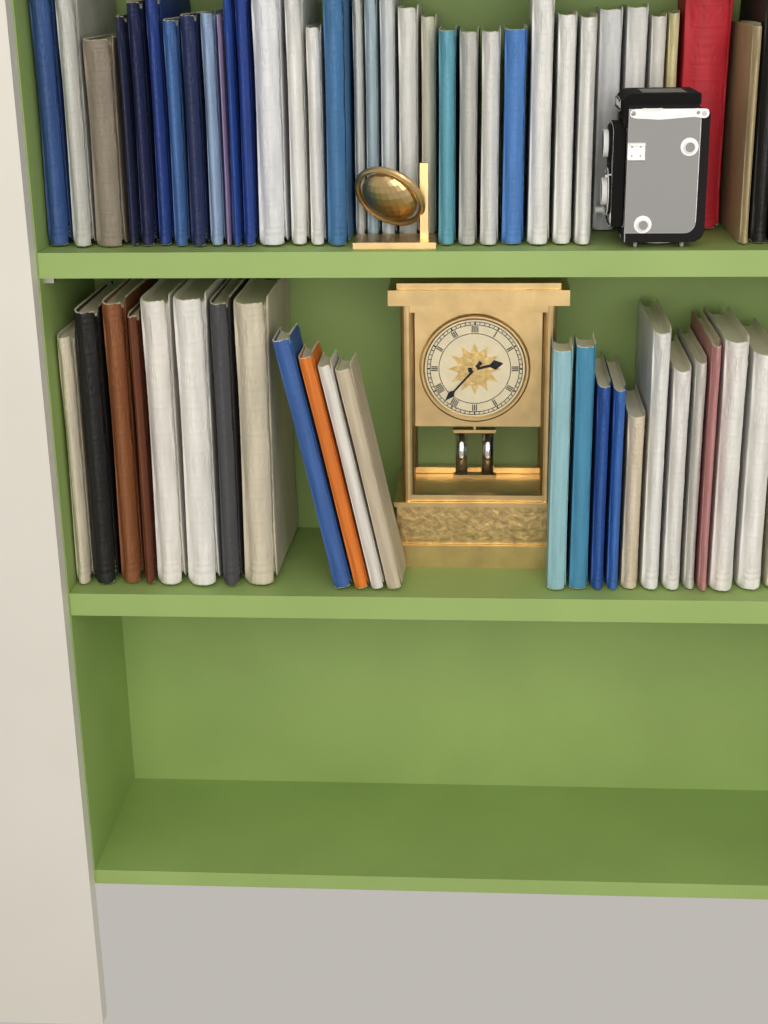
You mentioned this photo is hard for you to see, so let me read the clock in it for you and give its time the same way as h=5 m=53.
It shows h=2 m=37
